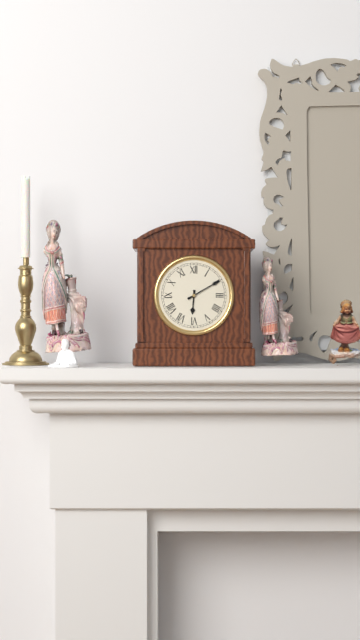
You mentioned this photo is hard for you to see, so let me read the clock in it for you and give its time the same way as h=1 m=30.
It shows h=6 m=10
